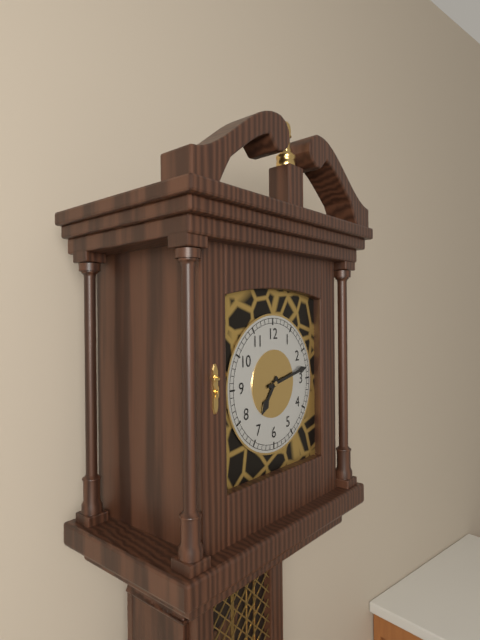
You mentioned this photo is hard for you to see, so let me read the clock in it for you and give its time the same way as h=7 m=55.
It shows h=7 m=13
